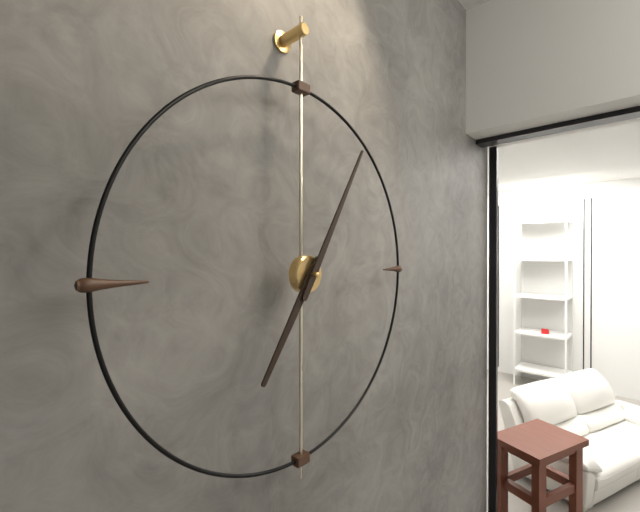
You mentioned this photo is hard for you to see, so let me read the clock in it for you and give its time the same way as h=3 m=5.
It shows h=7 m=5
